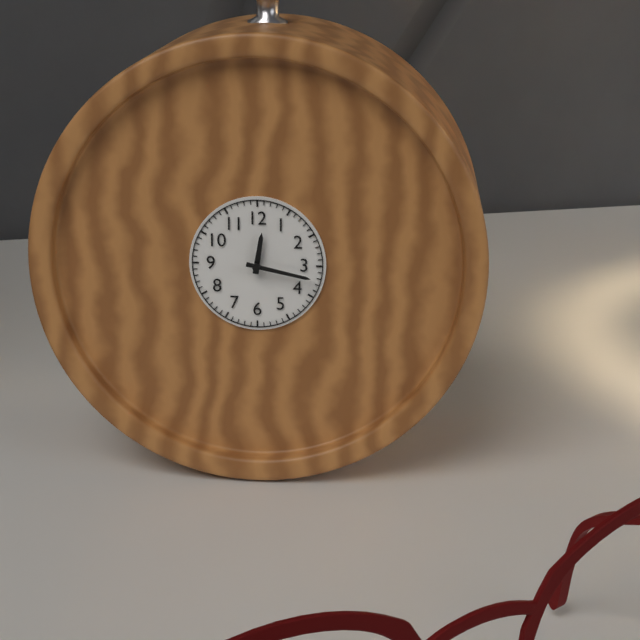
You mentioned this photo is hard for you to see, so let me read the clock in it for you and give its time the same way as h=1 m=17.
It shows h=12 m=17
